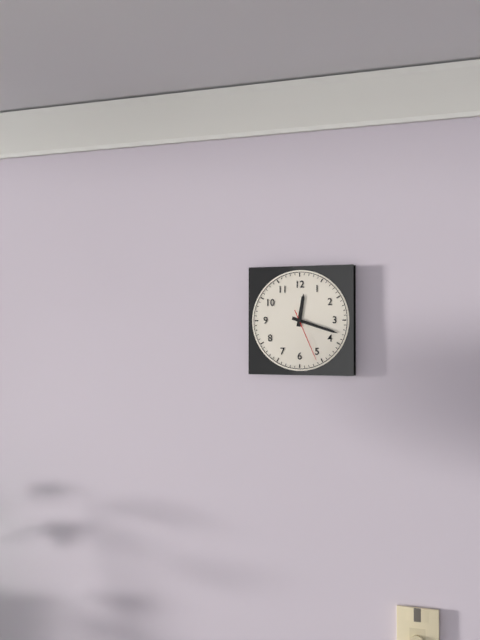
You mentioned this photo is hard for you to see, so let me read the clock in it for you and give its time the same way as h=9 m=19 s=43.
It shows h=12 m=18 s=26
